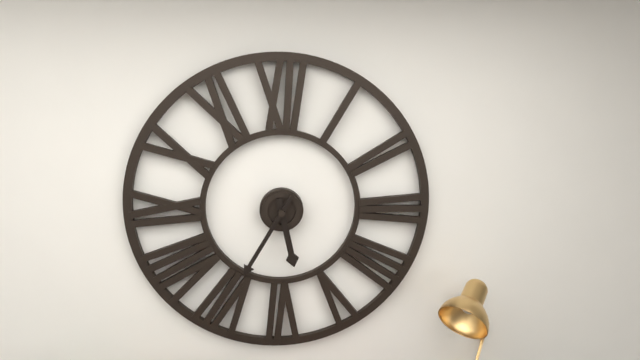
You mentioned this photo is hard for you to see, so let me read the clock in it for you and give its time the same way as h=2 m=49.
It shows h=5 m=35
